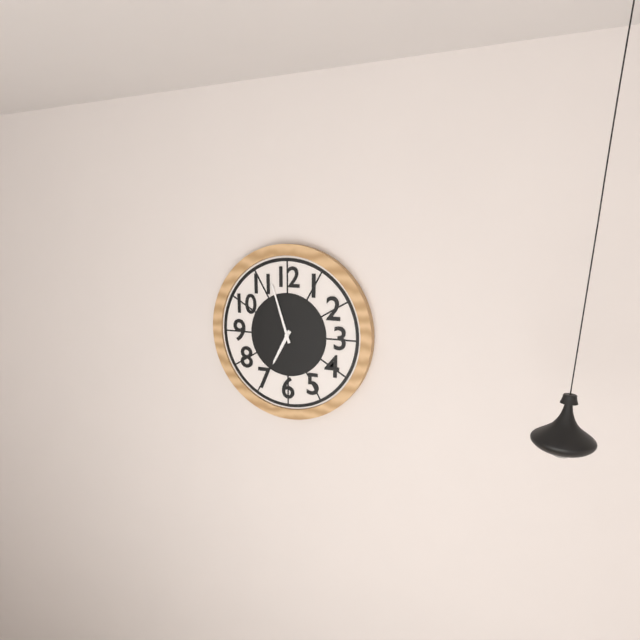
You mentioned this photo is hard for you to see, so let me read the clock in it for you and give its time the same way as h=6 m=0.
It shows h=6 m=57
